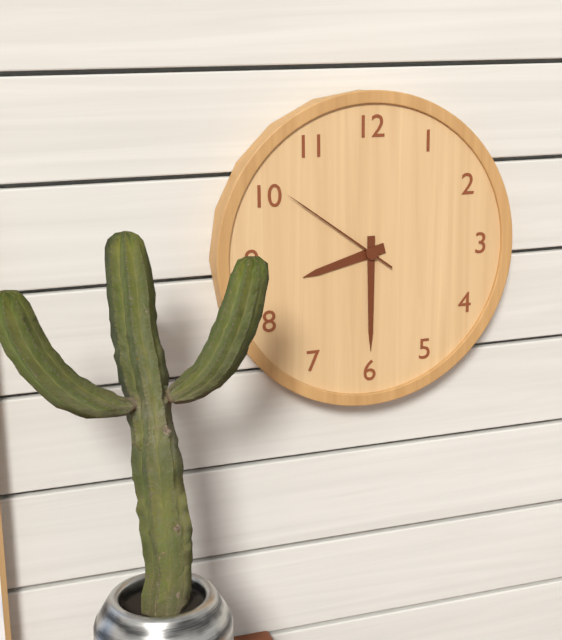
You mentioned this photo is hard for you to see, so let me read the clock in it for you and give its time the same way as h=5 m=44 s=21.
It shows h=8 m=30 s=51
